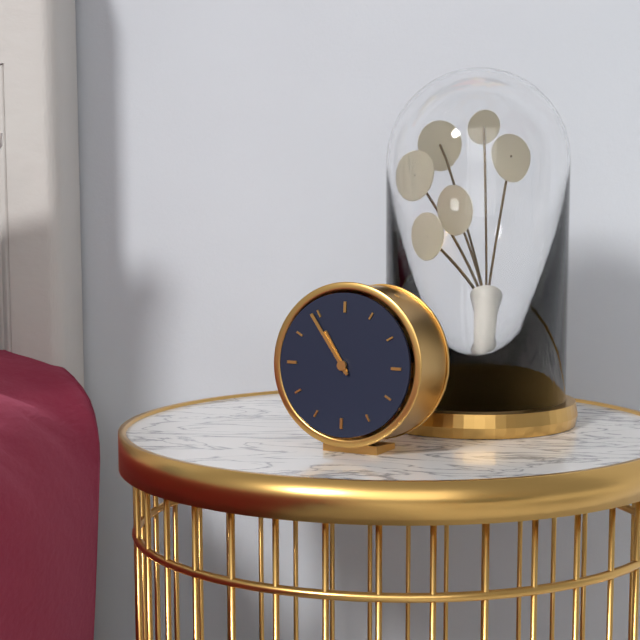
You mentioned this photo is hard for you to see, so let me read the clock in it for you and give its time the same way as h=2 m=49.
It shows h=10 m=54
